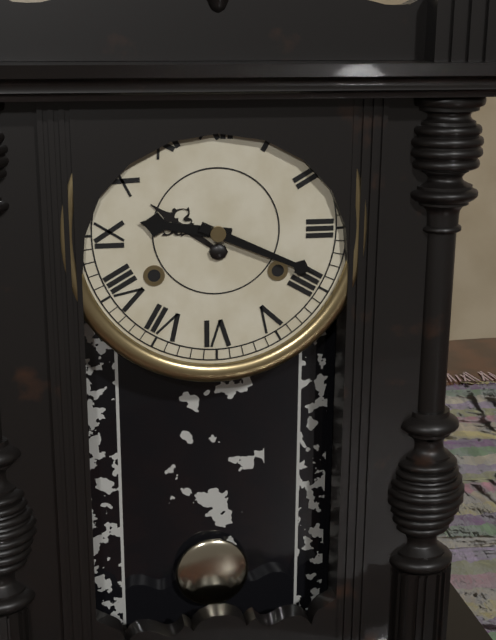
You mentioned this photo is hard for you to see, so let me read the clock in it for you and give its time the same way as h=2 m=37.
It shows h=9 m=19
